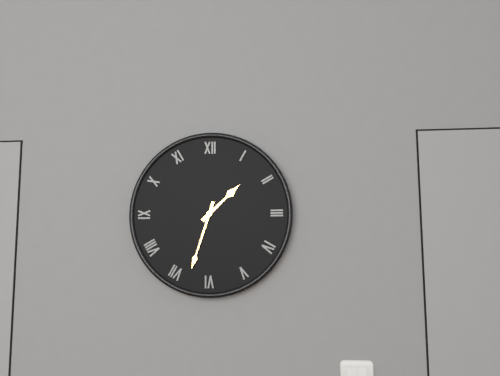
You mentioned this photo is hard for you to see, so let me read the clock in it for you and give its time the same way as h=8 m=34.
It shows h=1 m=33
